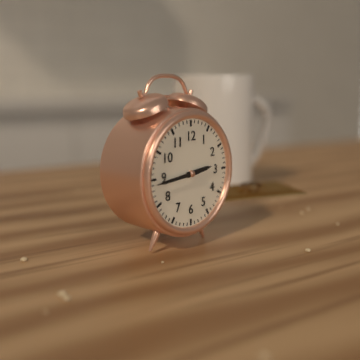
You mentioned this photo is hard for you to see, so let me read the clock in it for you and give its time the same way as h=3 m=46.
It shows h=2 m=44
